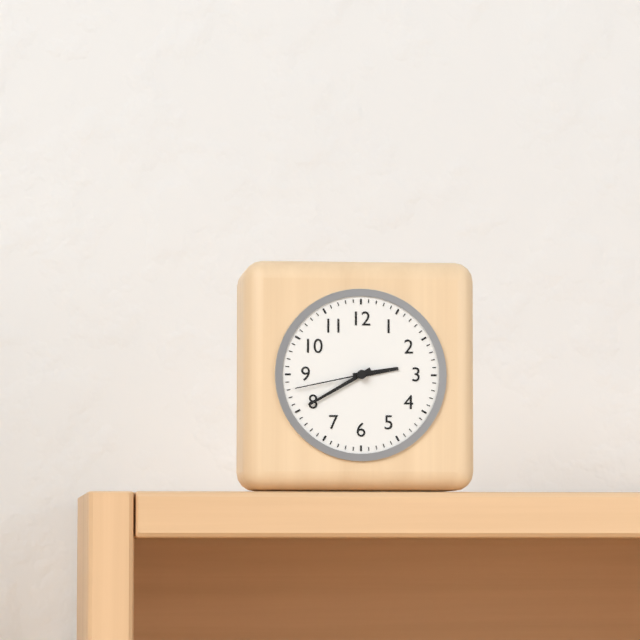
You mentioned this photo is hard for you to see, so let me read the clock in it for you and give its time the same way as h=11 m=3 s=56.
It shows h=2 m=40 s=43
